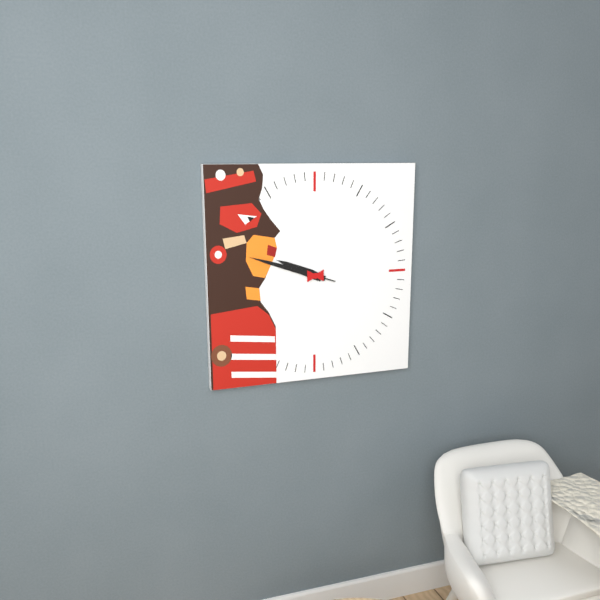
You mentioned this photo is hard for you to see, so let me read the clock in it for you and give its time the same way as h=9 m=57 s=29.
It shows h=9 m=48 s=48
